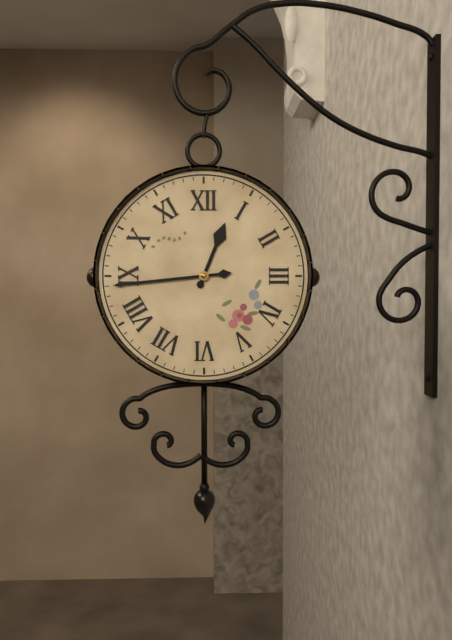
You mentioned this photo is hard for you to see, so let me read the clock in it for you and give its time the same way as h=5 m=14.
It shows h=12 m=44
